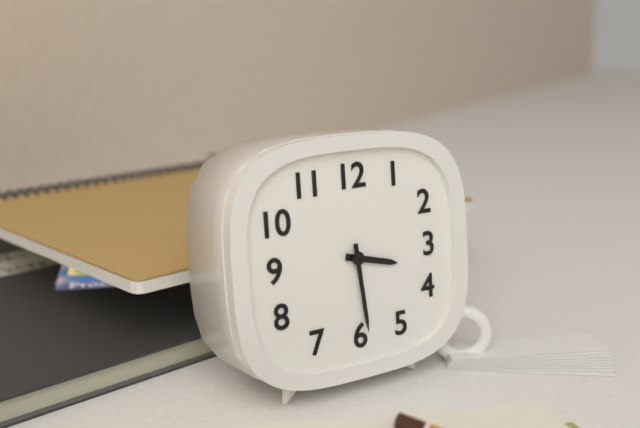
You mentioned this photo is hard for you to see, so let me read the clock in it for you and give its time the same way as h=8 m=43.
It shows h=3 m=29
